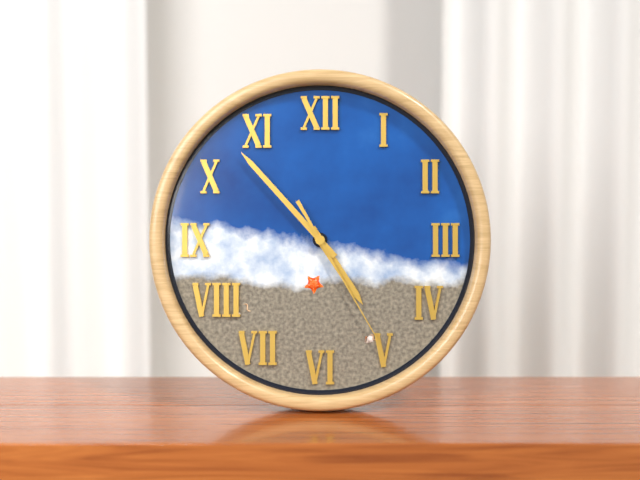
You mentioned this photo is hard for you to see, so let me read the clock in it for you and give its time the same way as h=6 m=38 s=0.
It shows h=4 m=53 s=25
